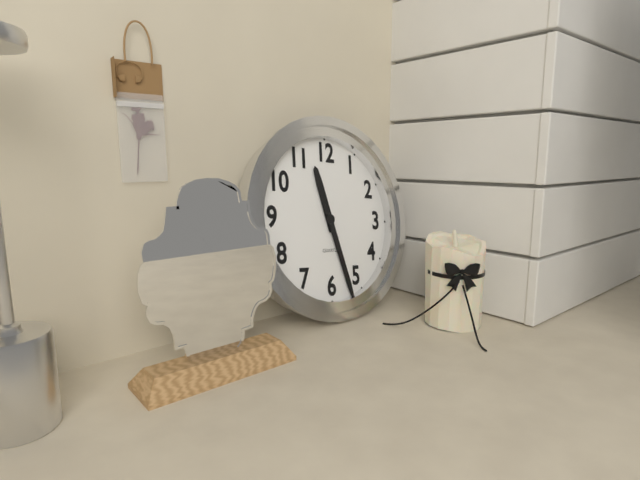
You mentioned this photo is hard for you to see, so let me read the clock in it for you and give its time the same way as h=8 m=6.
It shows h=11 m=27
